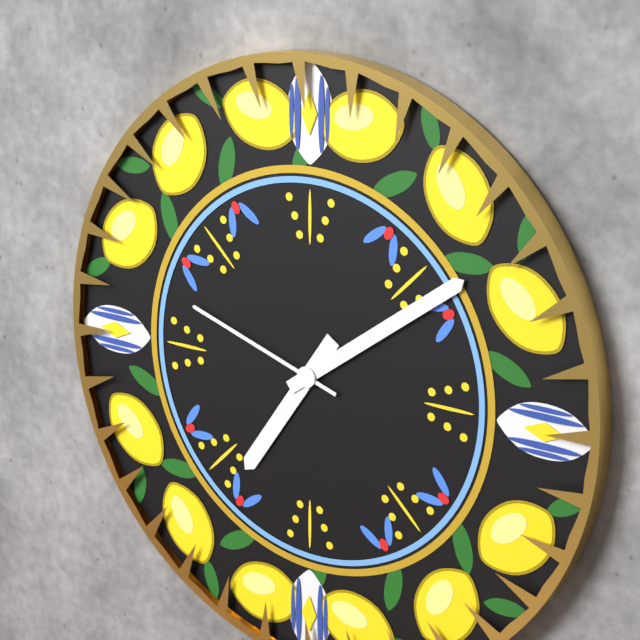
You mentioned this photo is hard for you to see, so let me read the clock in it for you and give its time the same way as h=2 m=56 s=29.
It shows h=7 m=9 s=48
